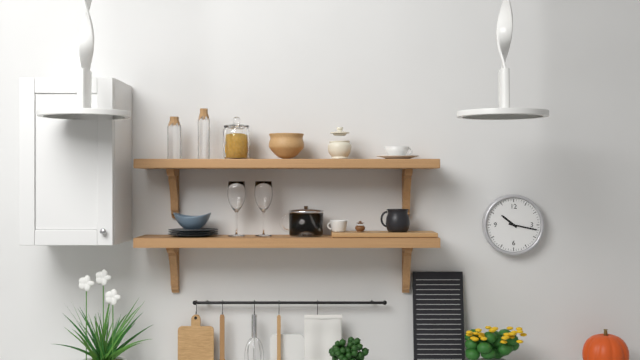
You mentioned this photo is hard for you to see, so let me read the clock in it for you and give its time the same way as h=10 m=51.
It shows h=10 m=17
